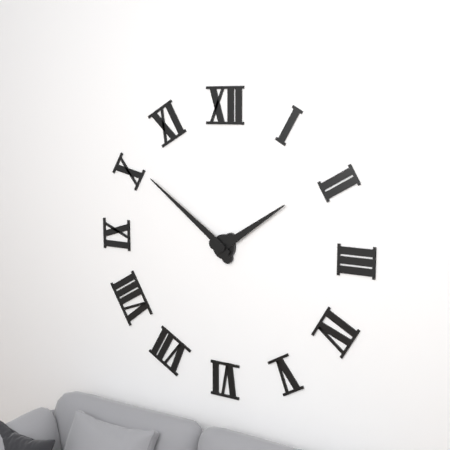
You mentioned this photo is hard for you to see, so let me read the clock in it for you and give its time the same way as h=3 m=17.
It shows h=1 m=51
